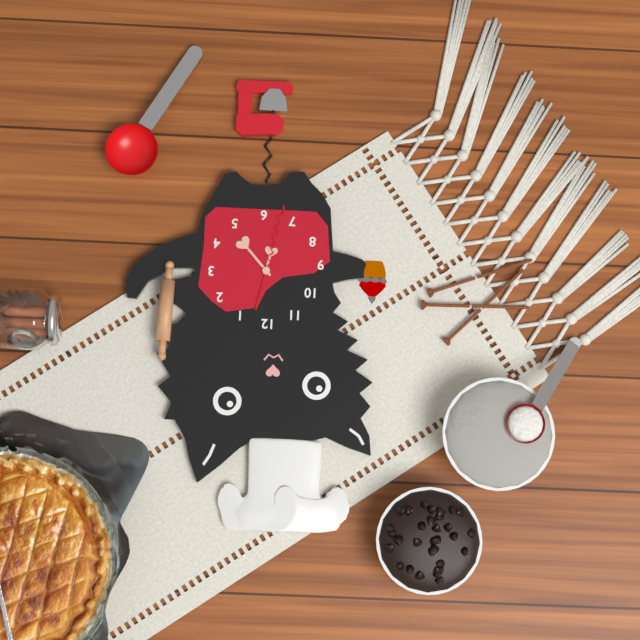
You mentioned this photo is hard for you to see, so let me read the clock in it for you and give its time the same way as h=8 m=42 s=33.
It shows h=6 m=23 s=32
